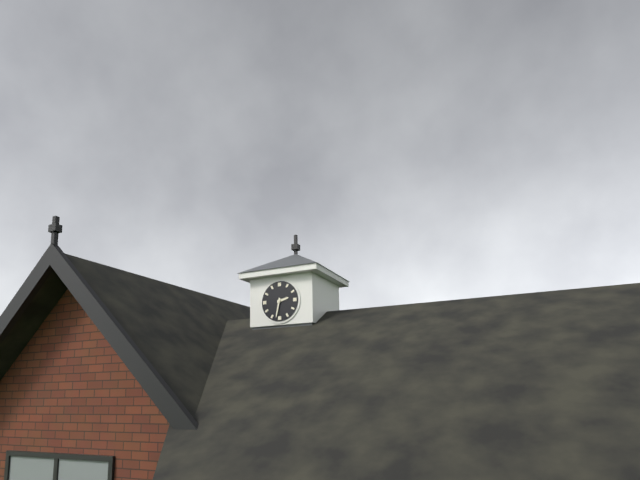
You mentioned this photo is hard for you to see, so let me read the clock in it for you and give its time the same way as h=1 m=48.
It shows h=2 m=32
